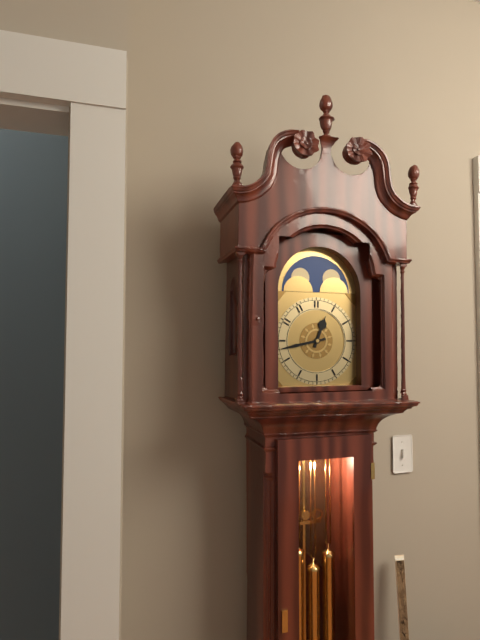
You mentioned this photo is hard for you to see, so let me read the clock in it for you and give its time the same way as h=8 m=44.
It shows h=12 m=43
